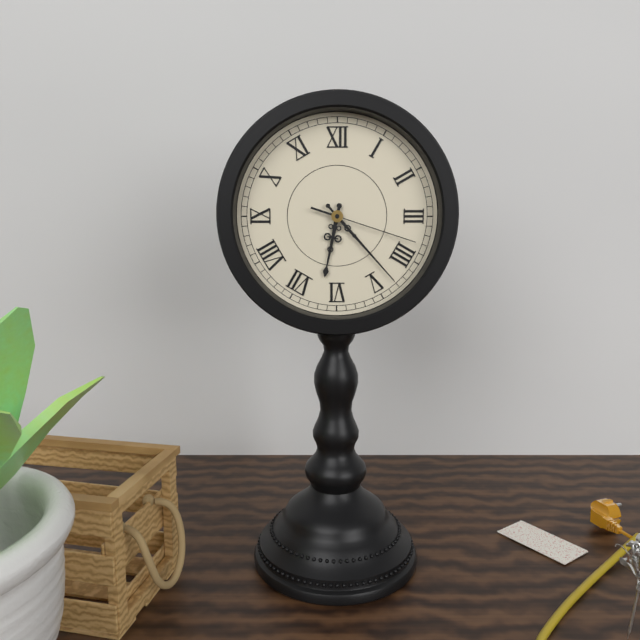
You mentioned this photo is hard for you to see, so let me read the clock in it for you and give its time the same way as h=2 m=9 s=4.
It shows h=6 m=23 s=18
